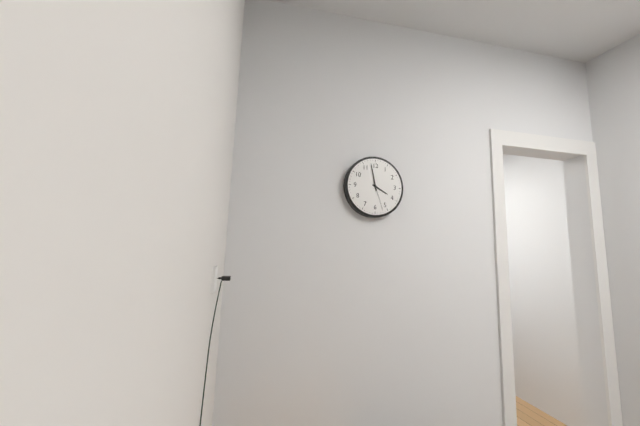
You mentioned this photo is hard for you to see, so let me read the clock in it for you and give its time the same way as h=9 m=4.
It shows h=3 m=58
